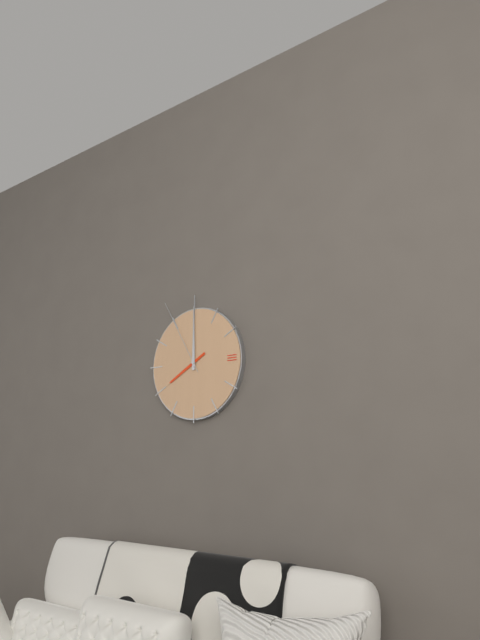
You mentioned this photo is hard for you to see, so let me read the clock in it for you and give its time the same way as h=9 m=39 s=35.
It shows h=8 m=0 s=55
